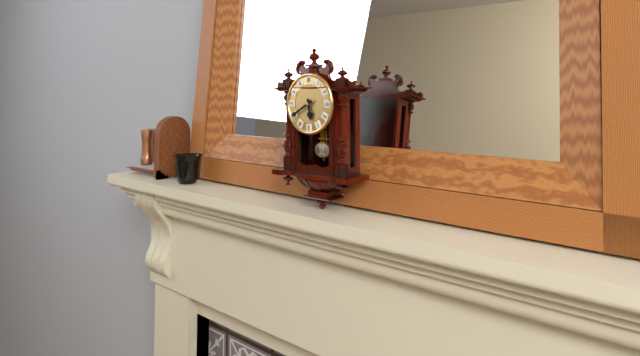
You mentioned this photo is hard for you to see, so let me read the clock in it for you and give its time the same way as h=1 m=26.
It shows h=5 m=40
